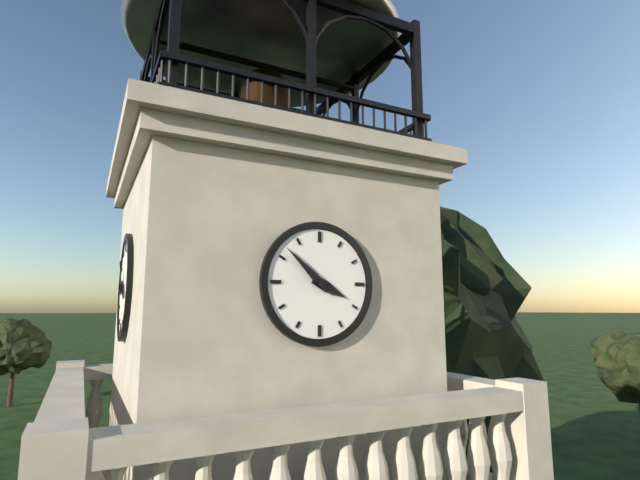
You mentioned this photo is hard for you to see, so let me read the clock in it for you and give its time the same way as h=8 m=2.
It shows h=3 m=52
